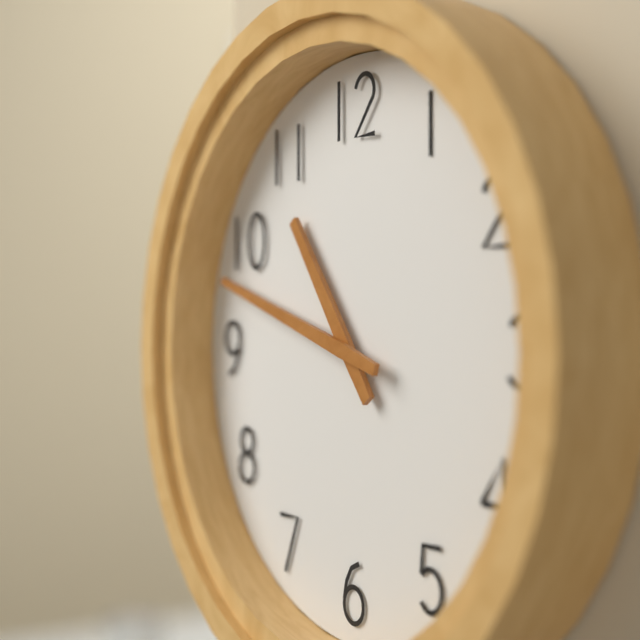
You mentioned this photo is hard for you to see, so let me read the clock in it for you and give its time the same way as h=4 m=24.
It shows h=10 m=48
